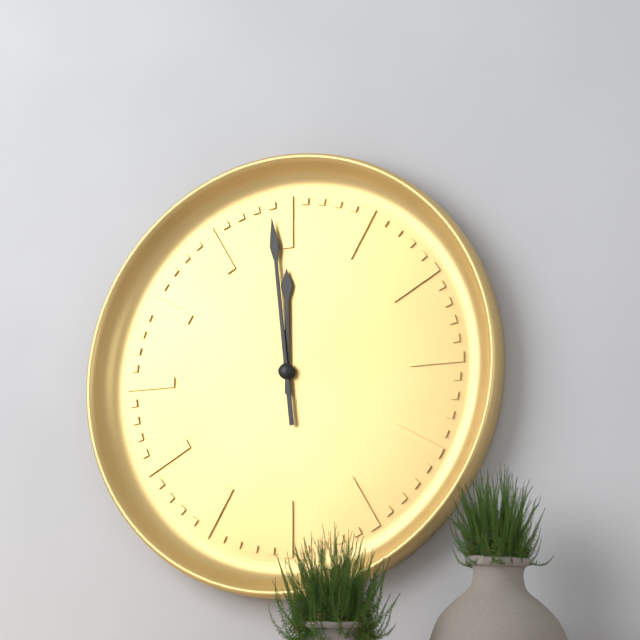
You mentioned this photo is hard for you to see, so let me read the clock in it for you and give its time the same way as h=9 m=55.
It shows h=11 m=59
